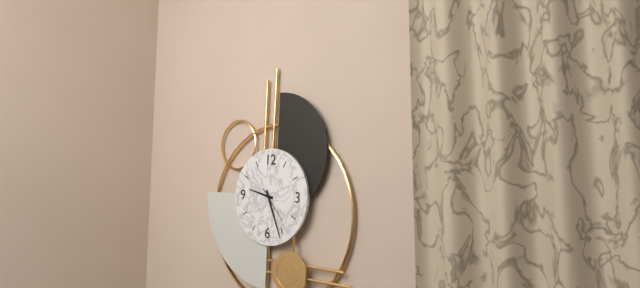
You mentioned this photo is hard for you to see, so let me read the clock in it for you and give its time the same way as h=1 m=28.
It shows h=9 m=26
